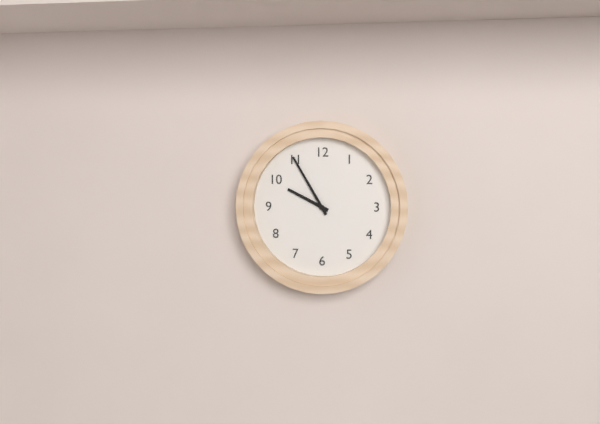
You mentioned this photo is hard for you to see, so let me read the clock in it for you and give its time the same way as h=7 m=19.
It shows h=9 m=55
